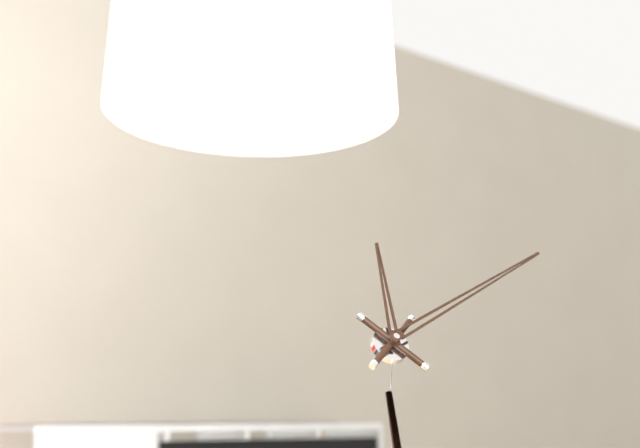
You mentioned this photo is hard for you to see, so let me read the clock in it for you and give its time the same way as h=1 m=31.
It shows h=12 m=10
